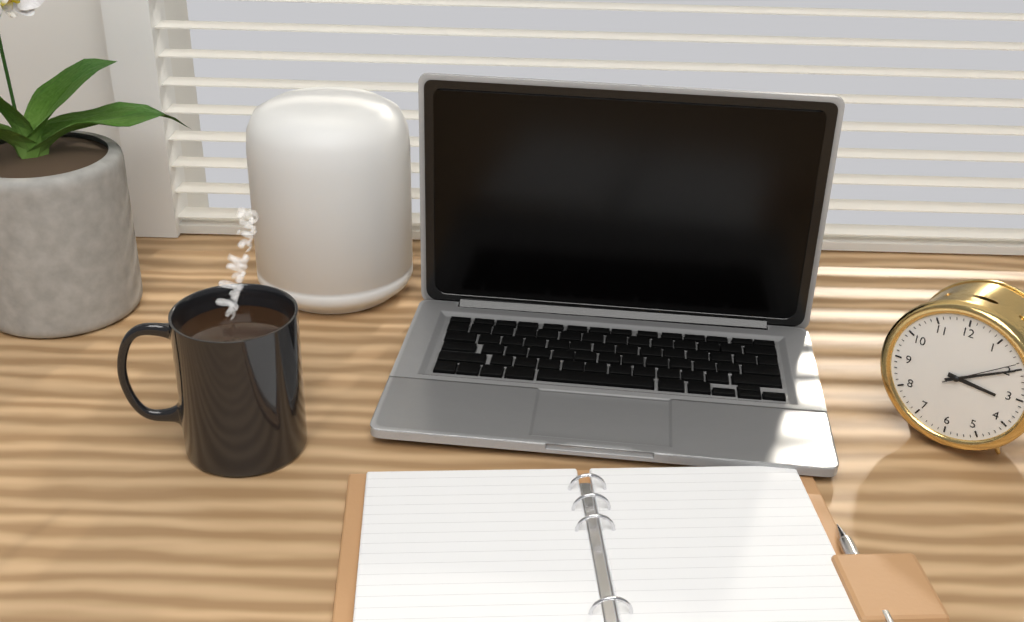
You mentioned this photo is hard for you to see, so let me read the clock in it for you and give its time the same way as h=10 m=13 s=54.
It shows h=3 m=10 s=9
